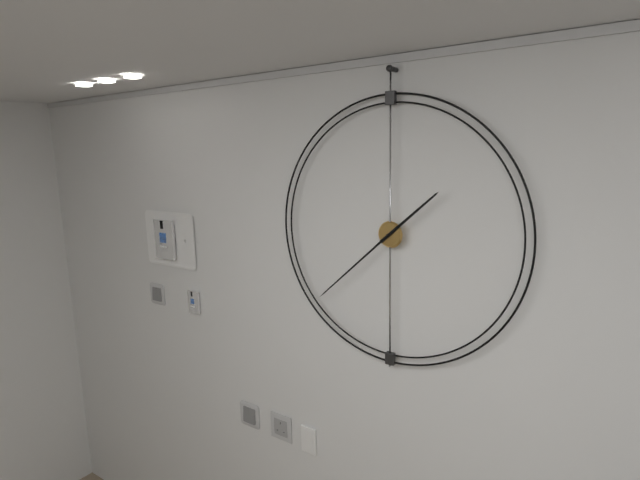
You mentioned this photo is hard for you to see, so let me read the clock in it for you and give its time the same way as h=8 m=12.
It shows h=1 m=38
